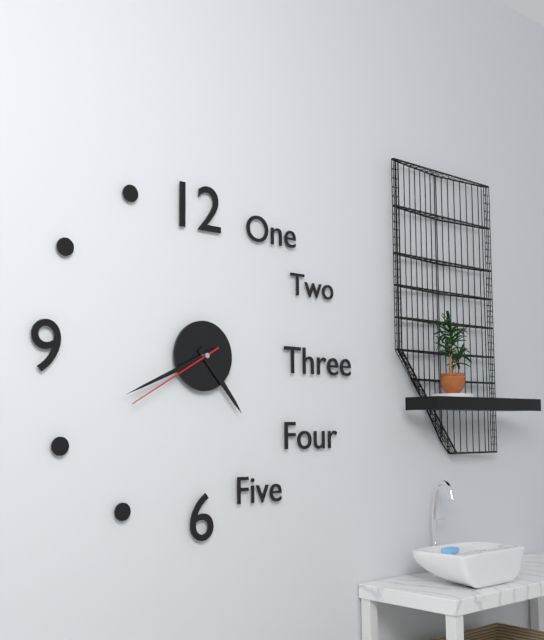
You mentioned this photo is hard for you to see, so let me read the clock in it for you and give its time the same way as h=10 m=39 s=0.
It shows h=4 m=41 s=40
